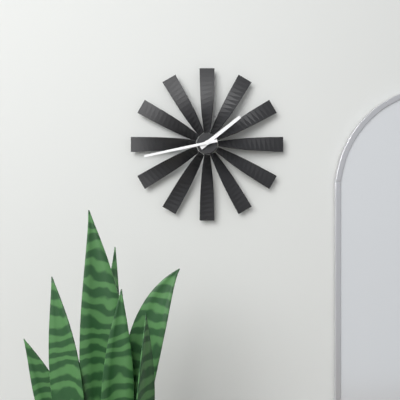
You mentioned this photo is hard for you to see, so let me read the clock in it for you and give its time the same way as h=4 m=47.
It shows h=1 m=43
